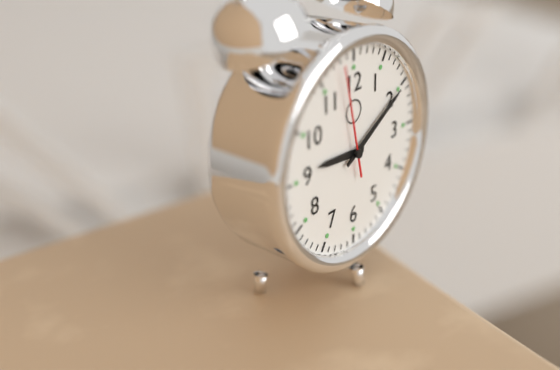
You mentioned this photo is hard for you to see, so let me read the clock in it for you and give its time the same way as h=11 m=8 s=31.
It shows h=9 m=10 s=58
